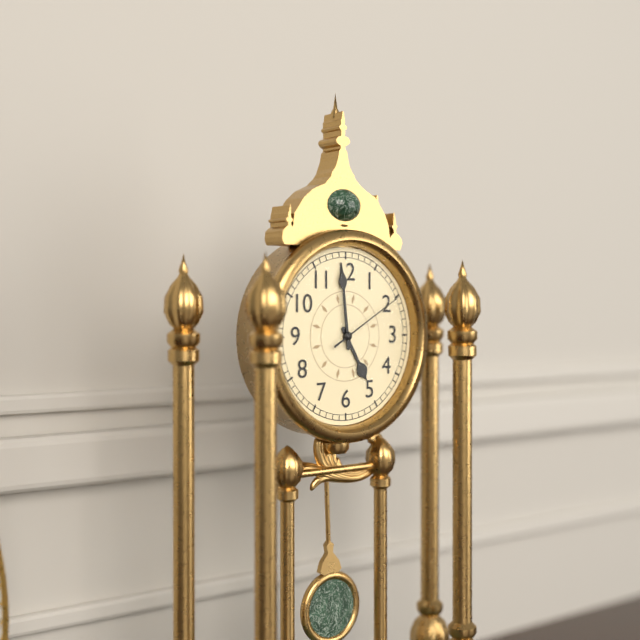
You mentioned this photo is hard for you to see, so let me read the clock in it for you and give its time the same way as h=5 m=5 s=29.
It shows h=4 m=59 s=10
